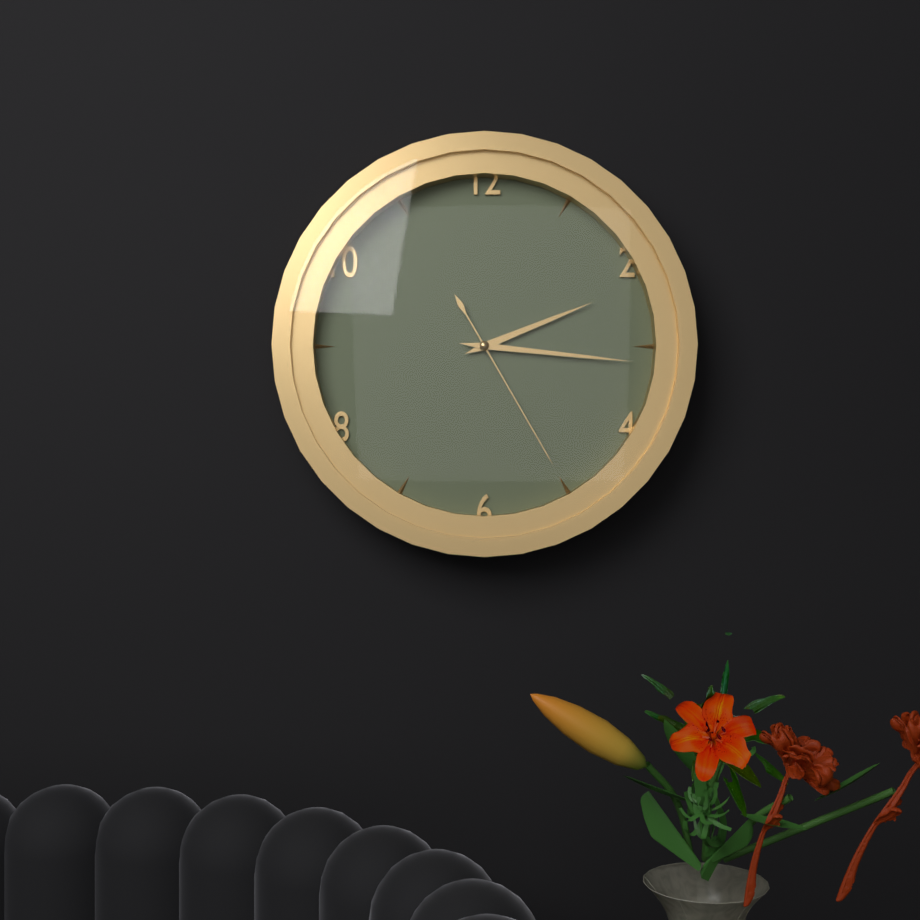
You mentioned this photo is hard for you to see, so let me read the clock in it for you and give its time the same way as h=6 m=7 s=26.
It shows h=2 m=16 s=25
